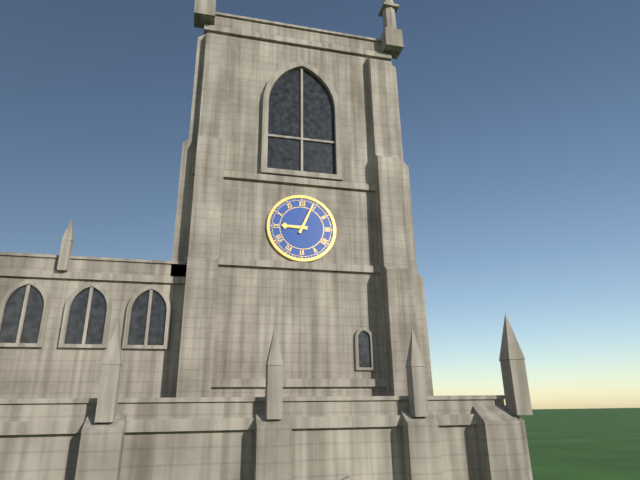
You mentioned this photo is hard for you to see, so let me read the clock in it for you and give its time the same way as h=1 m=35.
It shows h=9 m=4
